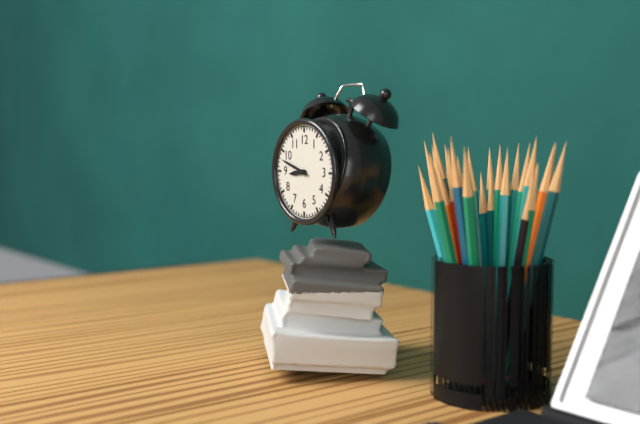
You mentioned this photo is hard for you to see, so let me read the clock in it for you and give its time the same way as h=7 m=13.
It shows h=8 m=48
